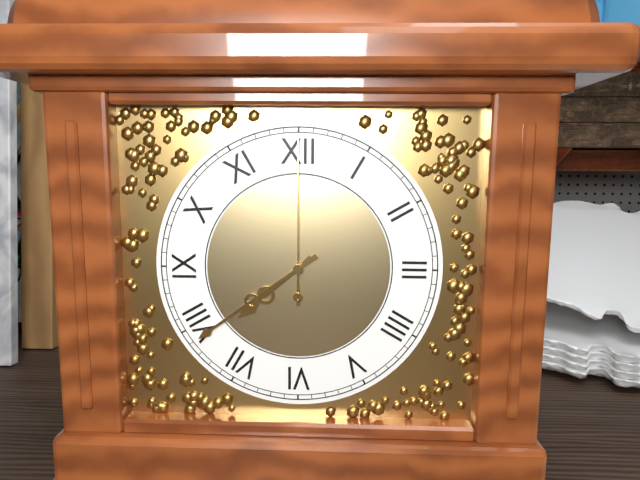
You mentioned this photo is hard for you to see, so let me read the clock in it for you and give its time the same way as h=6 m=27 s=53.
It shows h=7 m=39 s=0
